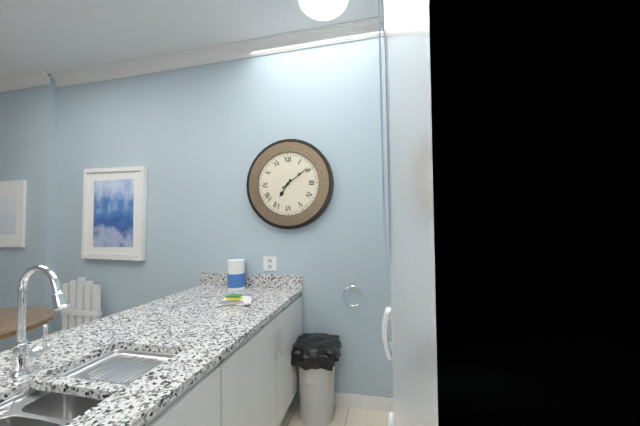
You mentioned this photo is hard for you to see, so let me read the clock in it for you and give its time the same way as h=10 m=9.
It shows h=7 m=9
